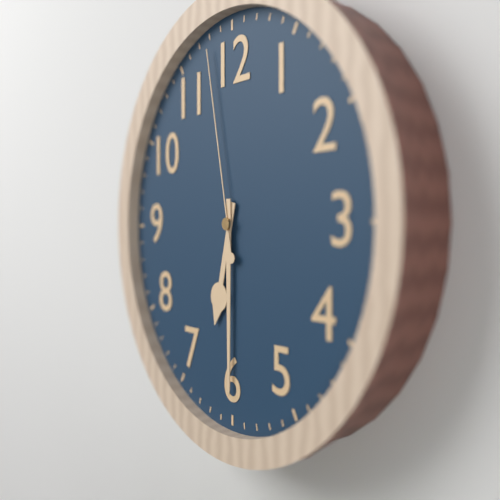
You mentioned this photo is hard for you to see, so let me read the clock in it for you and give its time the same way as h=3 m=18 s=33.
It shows h=6 m=30 s=58
